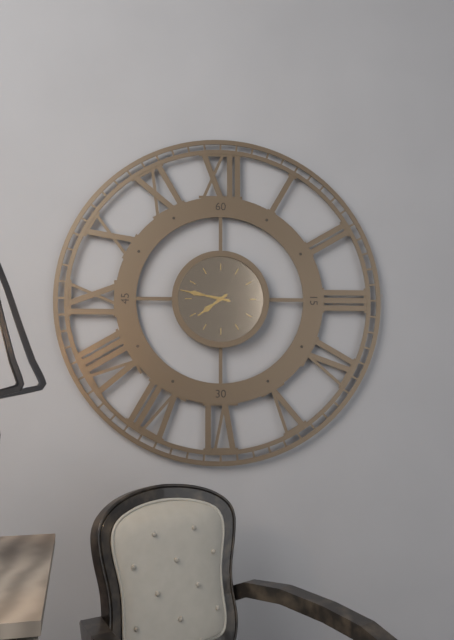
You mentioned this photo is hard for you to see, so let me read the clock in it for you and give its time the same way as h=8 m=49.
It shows h=7 m=47
